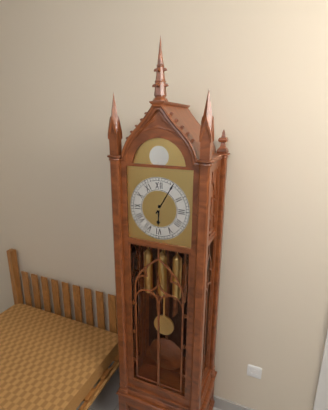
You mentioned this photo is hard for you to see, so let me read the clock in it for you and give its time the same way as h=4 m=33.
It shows h=6 m=5
